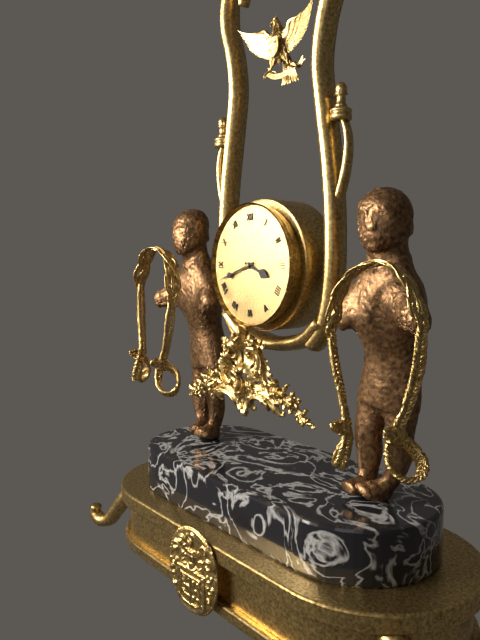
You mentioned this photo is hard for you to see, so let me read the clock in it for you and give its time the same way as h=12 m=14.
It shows h=3 m=42
